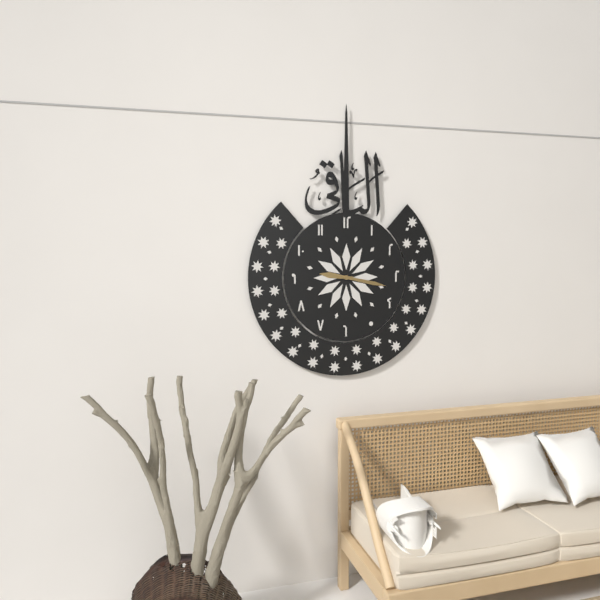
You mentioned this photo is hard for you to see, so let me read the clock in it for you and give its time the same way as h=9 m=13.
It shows h=9 m=17
